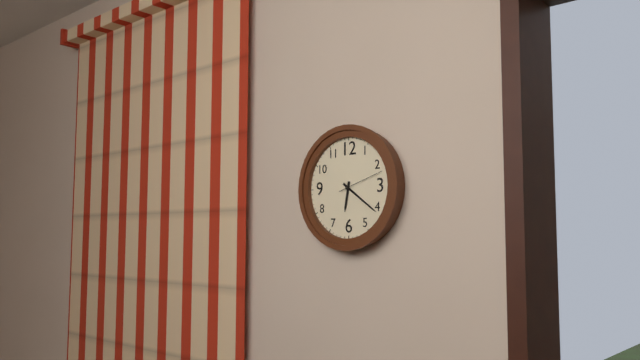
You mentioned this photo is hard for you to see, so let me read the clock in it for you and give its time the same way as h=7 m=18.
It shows h=6 m=21
